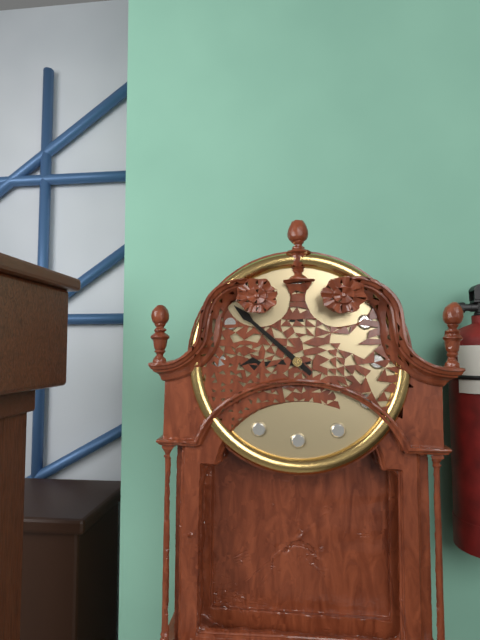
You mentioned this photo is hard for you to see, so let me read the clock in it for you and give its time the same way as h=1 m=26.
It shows h=8 m=52
